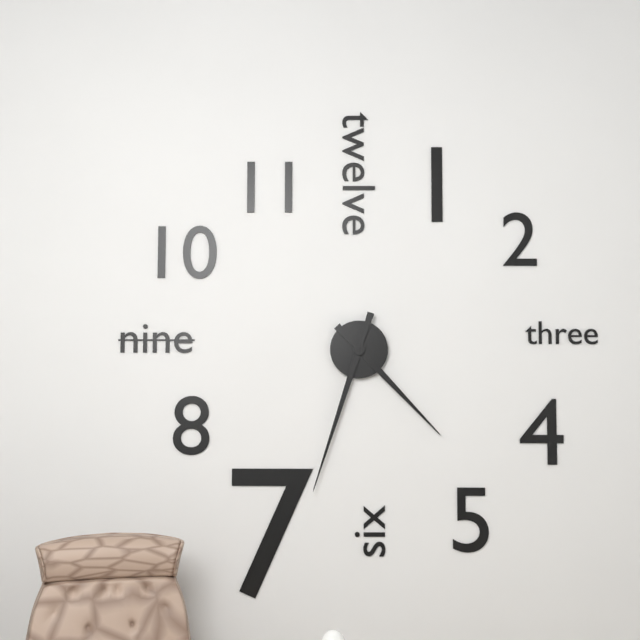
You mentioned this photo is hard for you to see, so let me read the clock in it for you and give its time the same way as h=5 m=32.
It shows h=4 m=33
